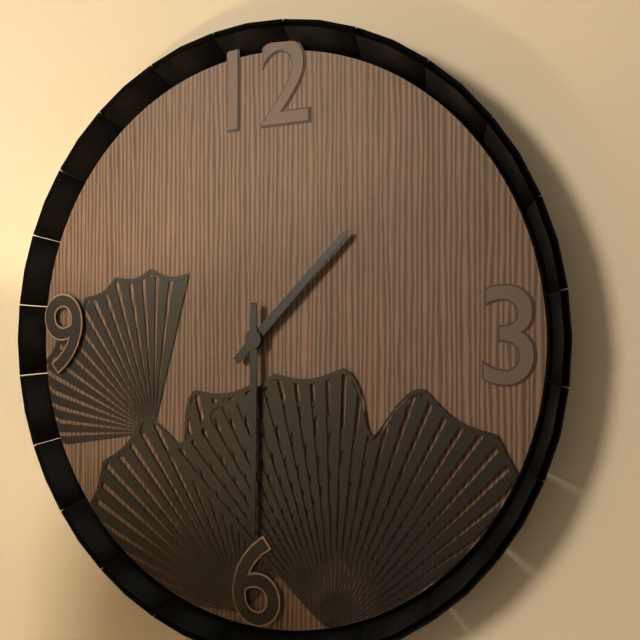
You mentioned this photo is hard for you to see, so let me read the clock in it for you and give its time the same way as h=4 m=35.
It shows h=1 m=30
